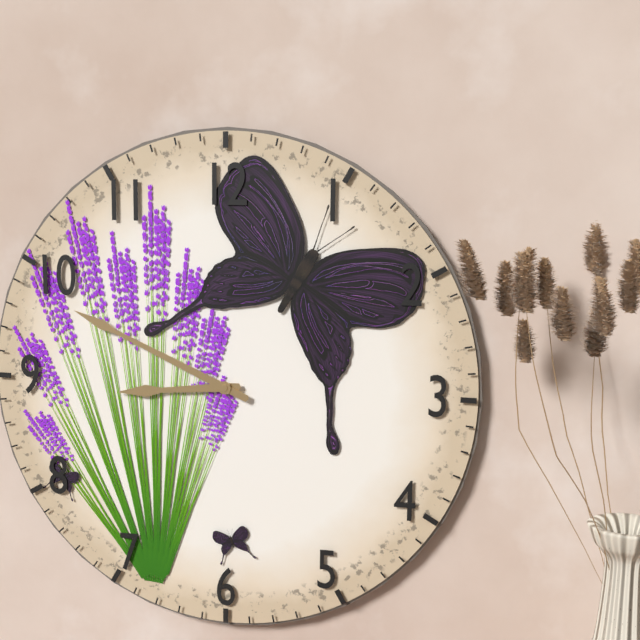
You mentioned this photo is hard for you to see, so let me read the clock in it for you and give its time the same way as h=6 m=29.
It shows h=8 m=49
